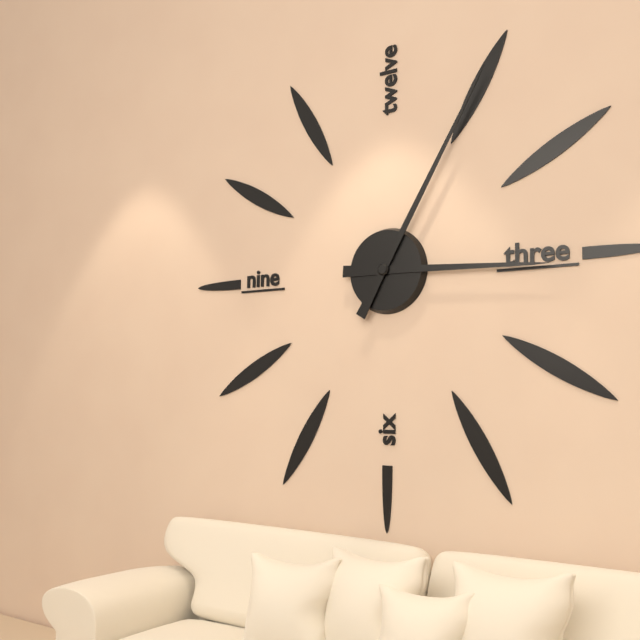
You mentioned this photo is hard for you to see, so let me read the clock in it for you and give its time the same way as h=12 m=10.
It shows h=3 m=5
